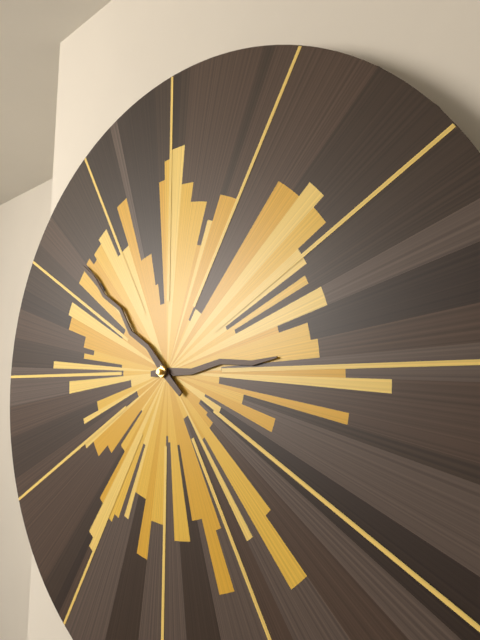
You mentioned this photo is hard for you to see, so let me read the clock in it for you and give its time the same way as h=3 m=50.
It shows h=2 m=52
